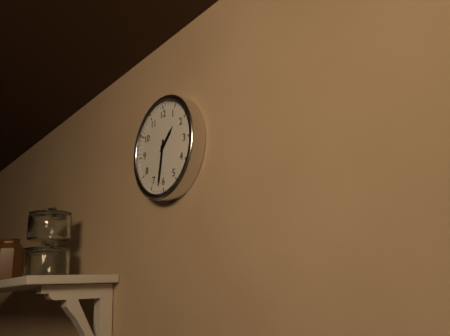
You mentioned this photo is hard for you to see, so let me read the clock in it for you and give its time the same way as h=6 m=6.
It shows h=1 m=32
